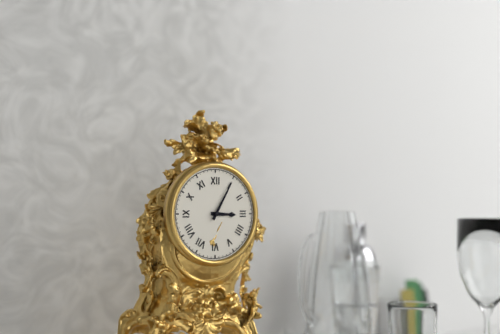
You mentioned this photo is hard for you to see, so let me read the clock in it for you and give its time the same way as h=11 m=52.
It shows h=3 m=5
